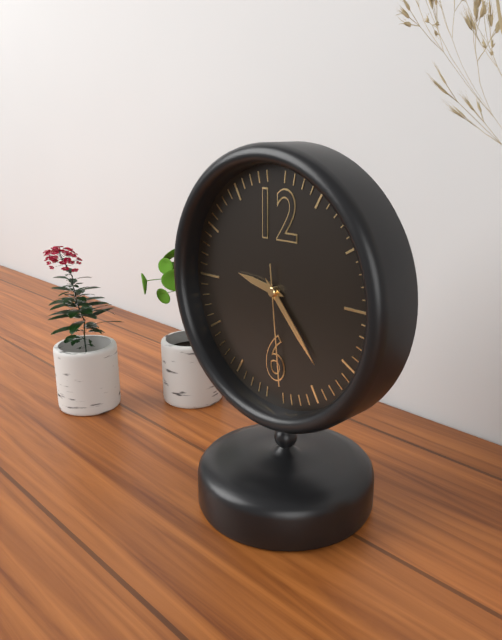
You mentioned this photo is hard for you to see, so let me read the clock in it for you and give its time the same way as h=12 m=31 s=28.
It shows h=9 m=23 s=29
